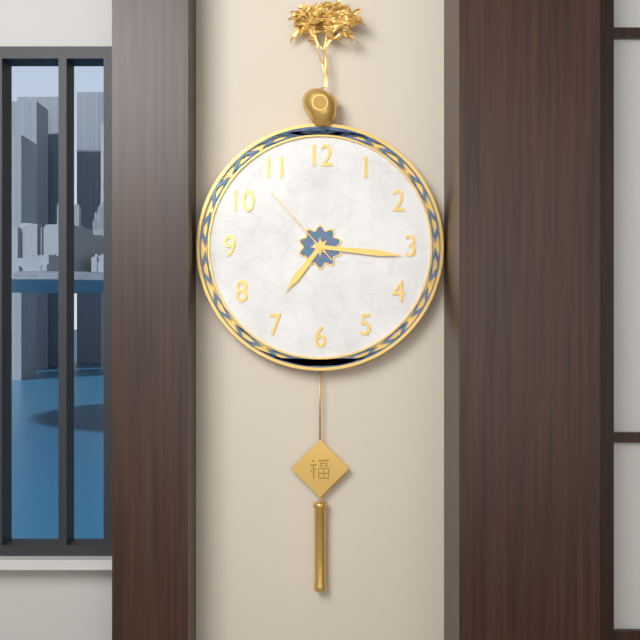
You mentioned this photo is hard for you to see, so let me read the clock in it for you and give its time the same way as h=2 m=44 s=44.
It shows h=7 m=16 s=53
